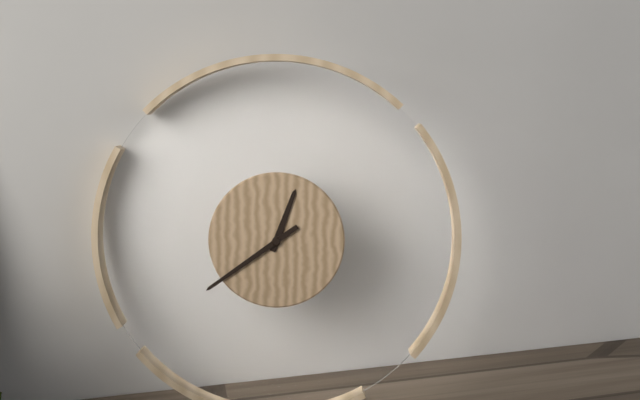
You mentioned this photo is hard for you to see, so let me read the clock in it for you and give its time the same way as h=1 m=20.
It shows h=12 m=39
